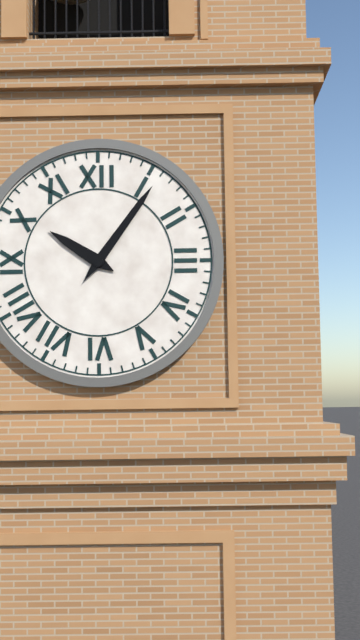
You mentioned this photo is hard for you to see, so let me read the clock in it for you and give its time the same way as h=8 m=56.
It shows h=10 m=6
